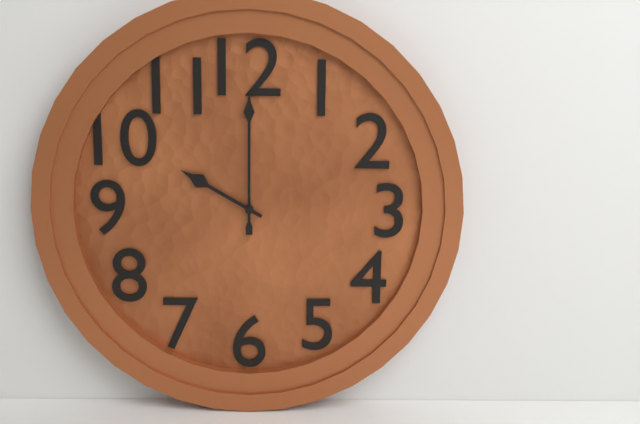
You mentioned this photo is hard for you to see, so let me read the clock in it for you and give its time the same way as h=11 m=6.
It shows h=10 m=0
